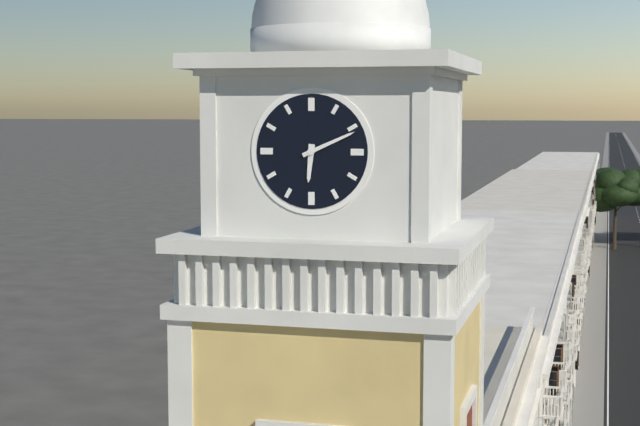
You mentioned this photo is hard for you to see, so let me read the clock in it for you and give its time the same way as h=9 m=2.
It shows h=6 m=11
